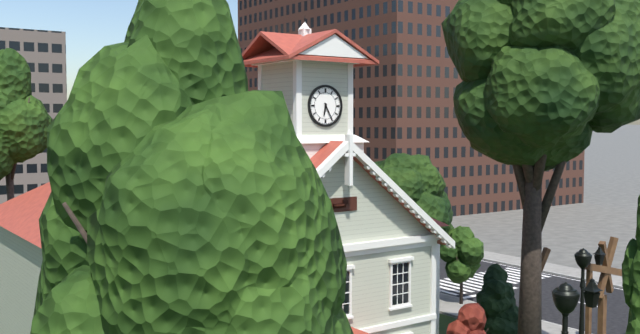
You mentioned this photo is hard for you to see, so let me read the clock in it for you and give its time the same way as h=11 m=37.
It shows h=6 m=25
